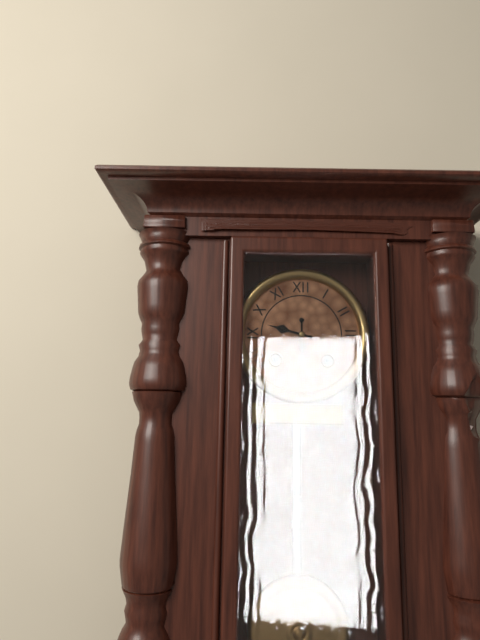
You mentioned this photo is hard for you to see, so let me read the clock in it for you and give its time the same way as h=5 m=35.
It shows h=9 m=30
